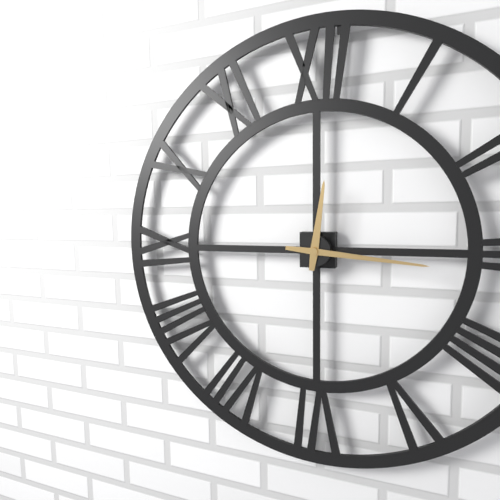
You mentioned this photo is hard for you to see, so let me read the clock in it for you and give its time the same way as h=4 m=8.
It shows h=12 m=16
